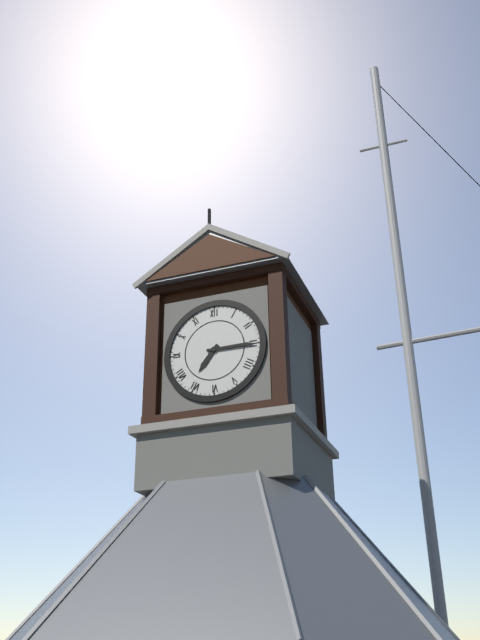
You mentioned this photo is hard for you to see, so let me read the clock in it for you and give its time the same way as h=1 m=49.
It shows h=7 m=15
